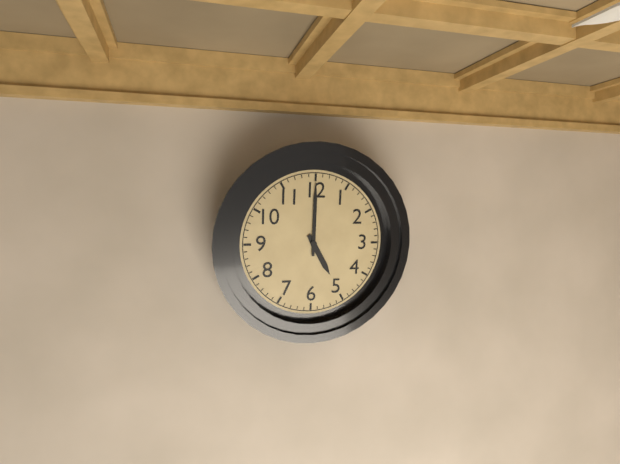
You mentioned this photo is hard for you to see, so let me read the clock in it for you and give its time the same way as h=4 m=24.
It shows h=5 m=0
